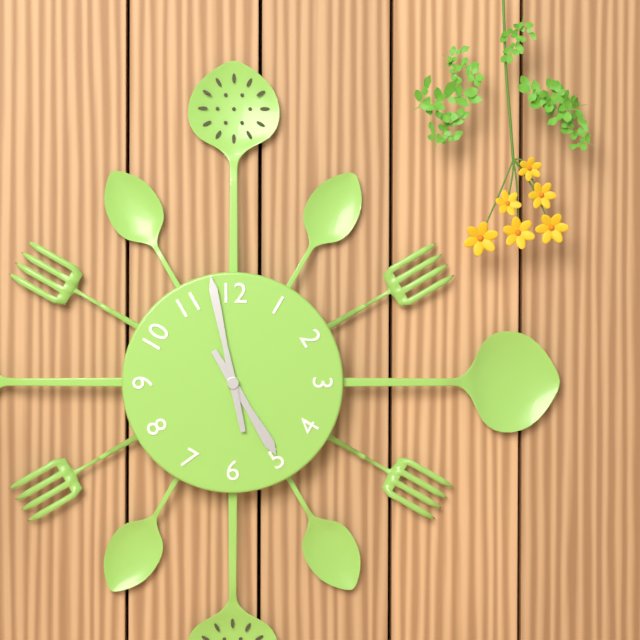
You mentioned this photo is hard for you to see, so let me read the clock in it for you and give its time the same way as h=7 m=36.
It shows h=4 m=58
